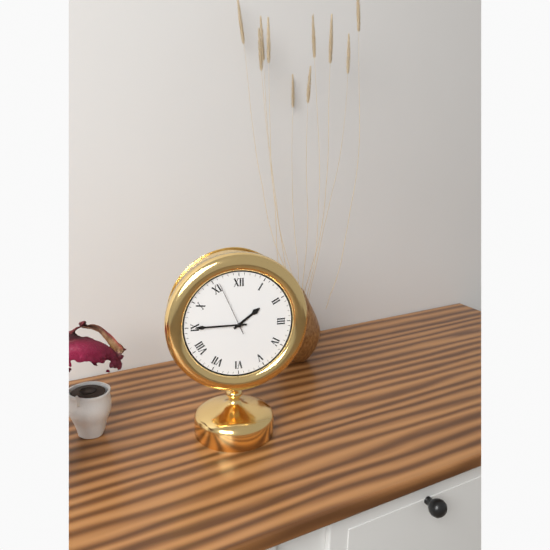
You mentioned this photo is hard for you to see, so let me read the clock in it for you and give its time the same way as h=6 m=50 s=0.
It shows h=1 m=45 s=56
